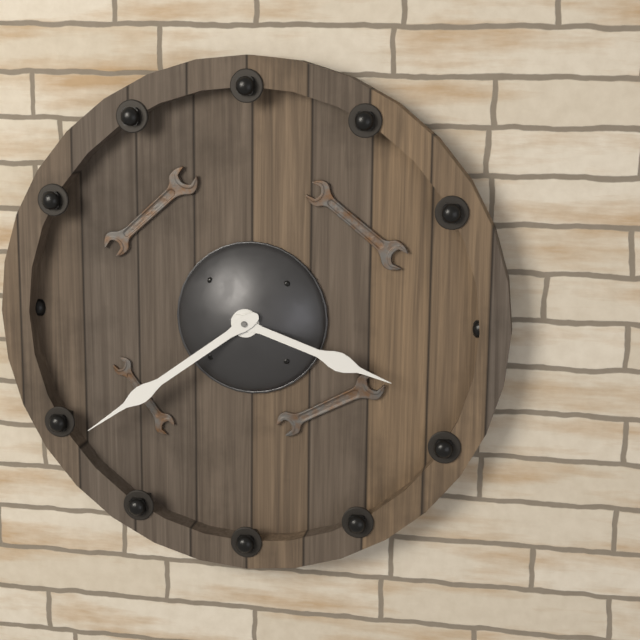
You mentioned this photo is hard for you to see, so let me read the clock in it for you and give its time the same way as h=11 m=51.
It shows h=3 m=39
